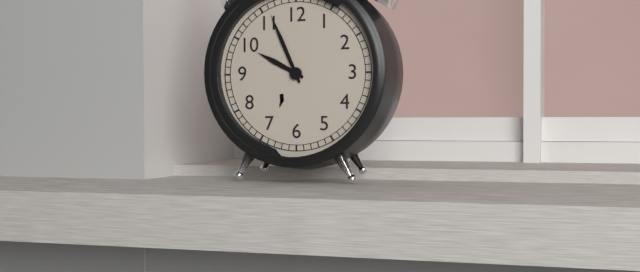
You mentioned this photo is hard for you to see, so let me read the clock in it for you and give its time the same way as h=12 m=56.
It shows h=9 m=56
